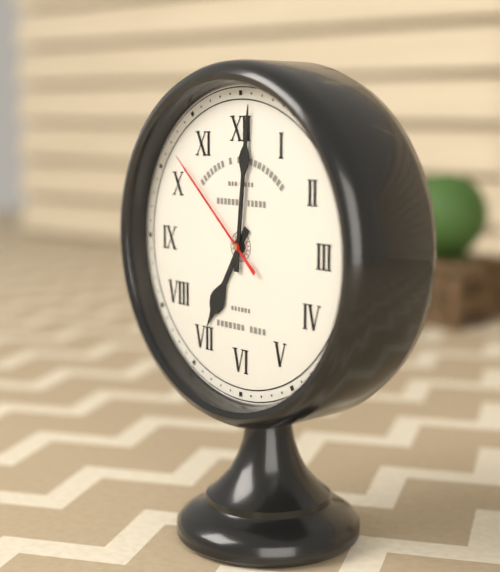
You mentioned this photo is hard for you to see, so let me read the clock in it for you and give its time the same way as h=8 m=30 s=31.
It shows h=7 m=1 s=52
